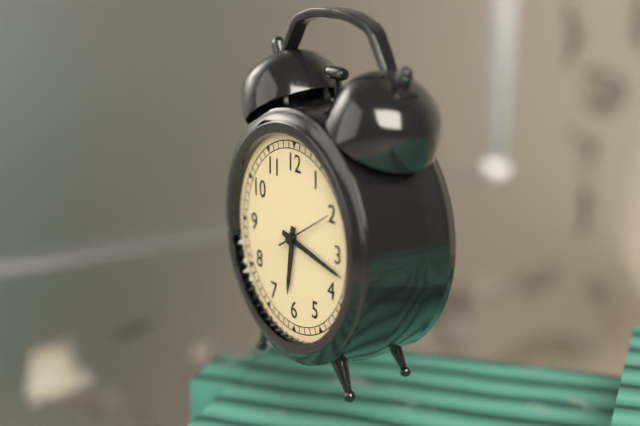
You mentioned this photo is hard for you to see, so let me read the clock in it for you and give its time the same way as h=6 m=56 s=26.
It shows h=6 m=17 s=10
